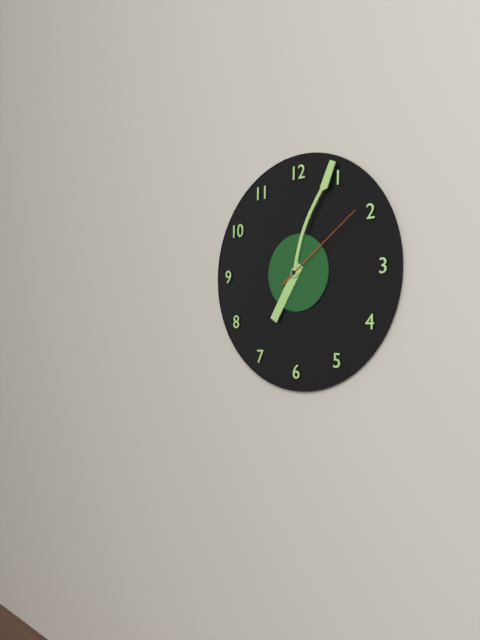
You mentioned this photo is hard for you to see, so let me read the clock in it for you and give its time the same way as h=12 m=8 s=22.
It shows h=7 m=4 s=9
